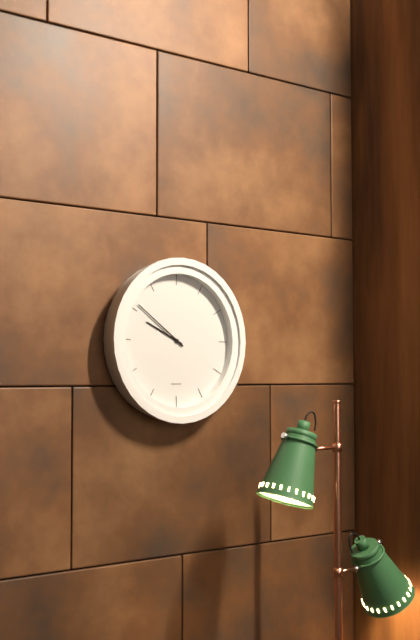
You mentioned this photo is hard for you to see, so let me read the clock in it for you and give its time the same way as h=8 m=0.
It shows h=9 m=51
